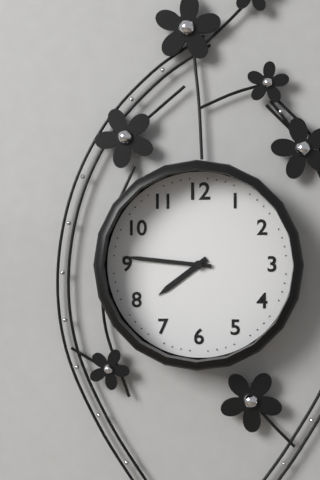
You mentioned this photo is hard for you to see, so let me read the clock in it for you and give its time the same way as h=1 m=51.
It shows h=7 m=46
